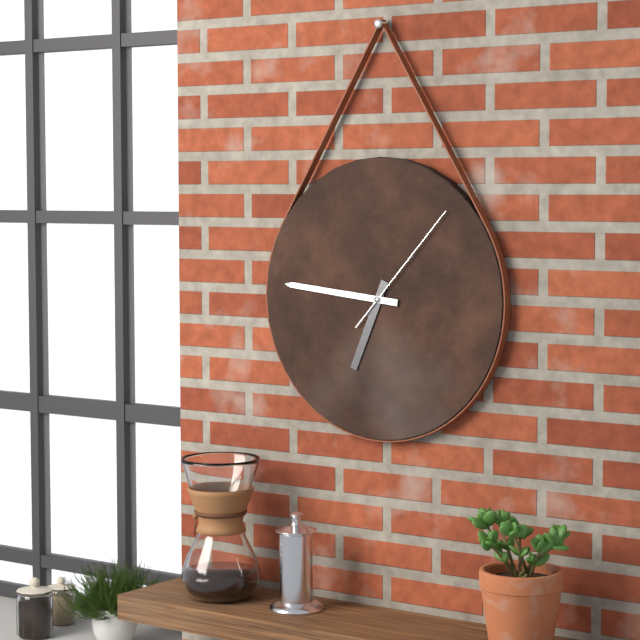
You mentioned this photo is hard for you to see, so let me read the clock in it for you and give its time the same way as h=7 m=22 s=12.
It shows h=6 m=46 s=7
